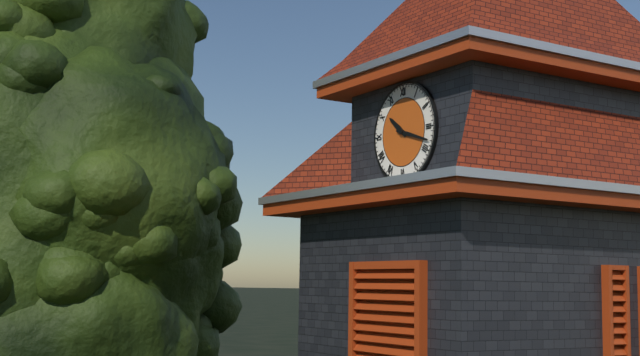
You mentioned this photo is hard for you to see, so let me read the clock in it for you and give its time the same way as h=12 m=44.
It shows h=10 m=18
